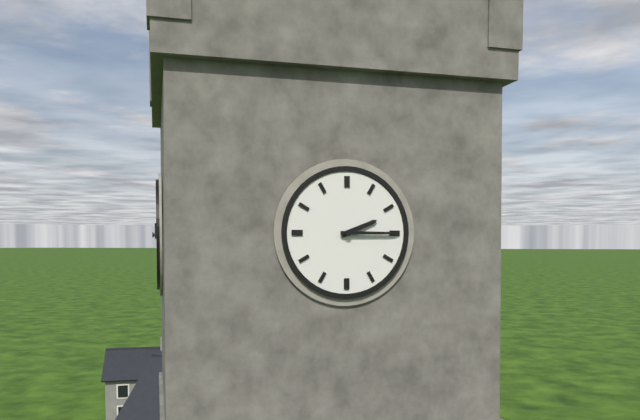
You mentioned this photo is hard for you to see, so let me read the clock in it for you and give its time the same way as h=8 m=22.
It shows h=2 m=15
